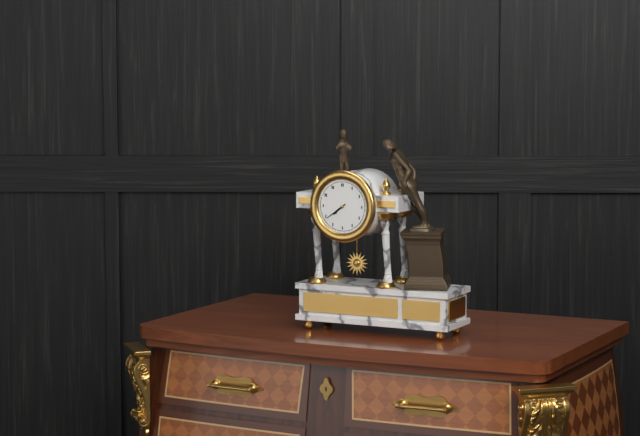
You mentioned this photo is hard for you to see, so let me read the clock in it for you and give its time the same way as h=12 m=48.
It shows h=7 m=39
